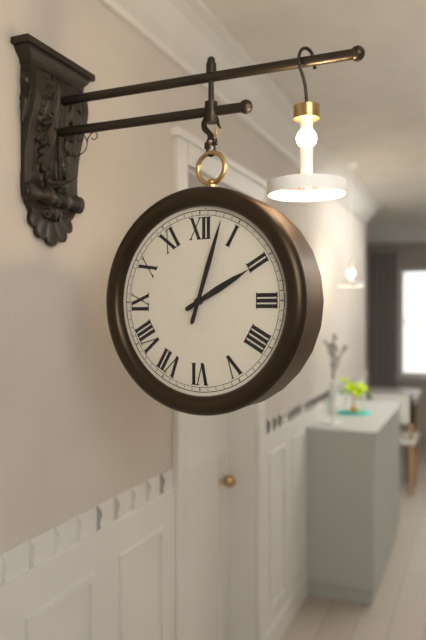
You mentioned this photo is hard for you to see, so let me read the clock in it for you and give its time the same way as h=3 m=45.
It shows h=2 m=3
